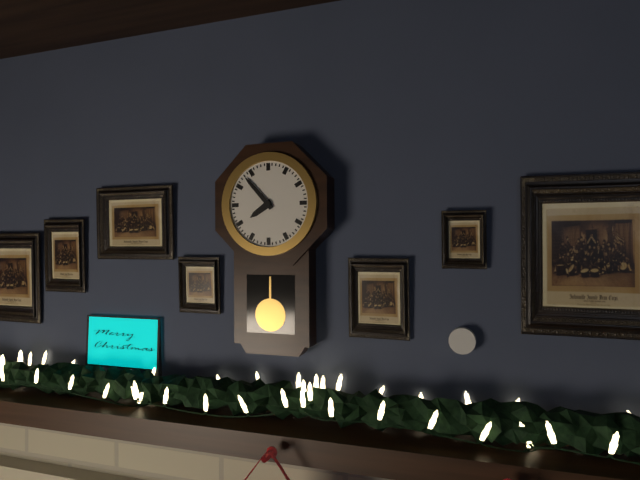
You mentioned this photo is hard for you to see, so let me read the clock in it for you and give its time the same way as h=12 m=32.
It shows h=7 m=53
